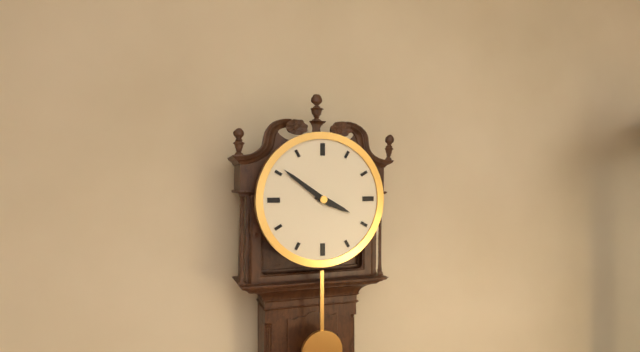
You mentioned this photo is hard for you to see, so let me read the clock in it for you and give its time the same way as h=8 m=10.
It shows h=3 m=51
